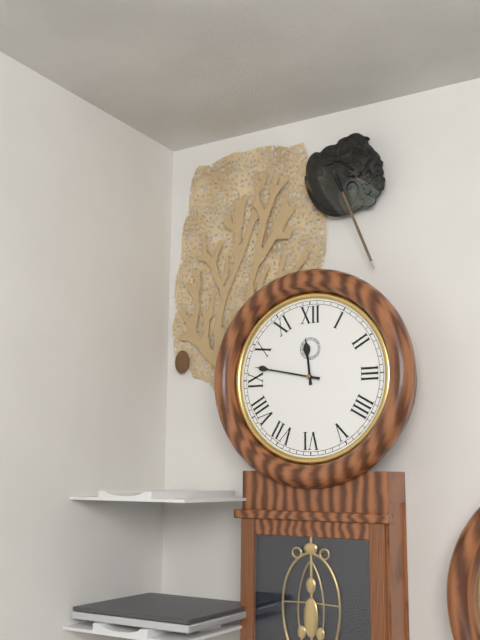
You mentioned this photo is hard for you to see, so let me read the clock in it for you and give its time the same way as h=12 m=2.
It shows h=11 m=47
